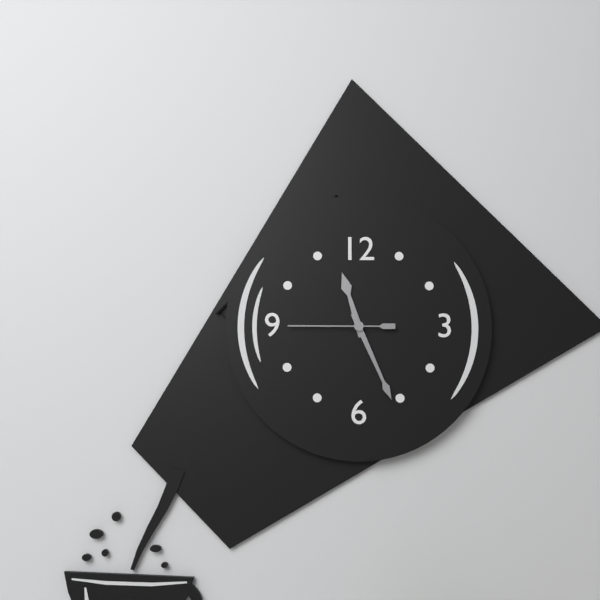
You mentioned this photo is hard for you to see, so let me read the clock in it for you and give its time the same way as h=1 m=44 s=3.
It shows h=11 m=26 s=45
